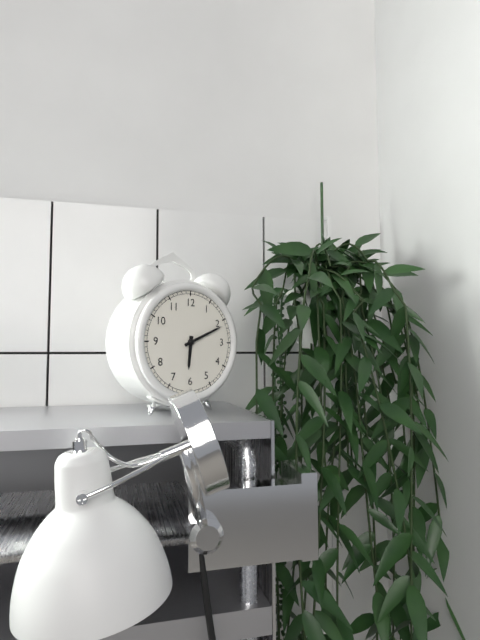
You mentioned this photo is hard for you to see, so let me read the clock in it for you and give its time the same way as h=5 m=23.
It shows h=6 m=11
